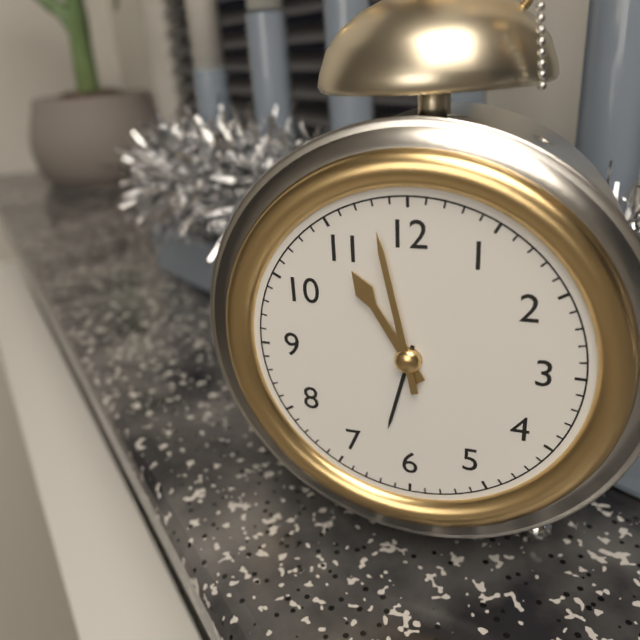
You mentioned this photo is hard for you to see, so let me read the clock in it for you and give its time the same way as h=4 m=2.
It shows h=10 m=58
